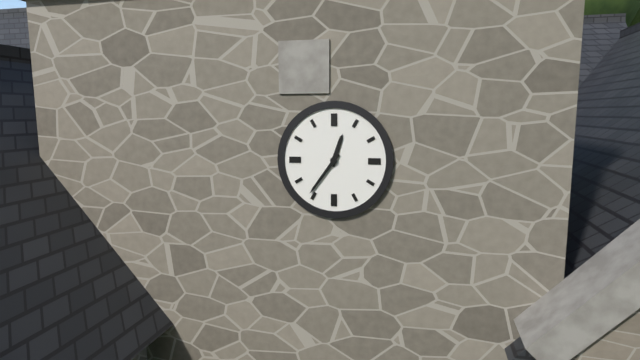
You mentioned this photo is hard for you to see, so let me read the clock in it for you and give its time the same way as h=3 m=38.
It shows h=12 m=36
